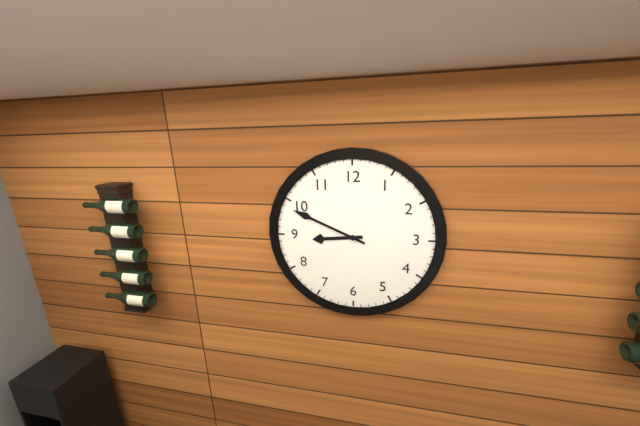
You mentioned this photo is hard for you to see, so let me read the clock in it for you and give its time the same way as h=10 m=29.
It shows h=8 m=49
